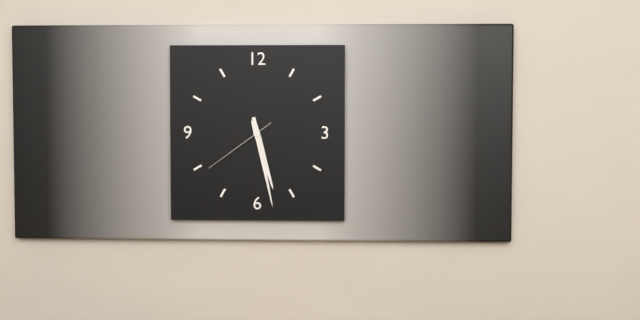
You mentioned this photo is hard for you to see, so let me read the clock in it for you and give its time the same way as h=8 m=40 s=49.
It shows h=5 m=28 s=39
